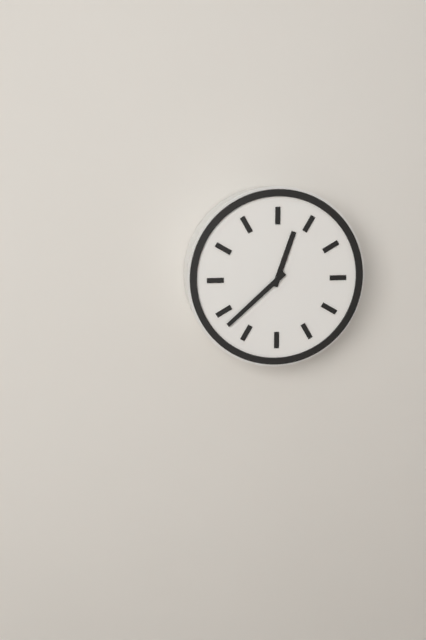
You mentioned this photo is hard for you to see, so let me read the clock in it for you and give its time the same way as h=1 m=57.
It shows h=12 m=38
